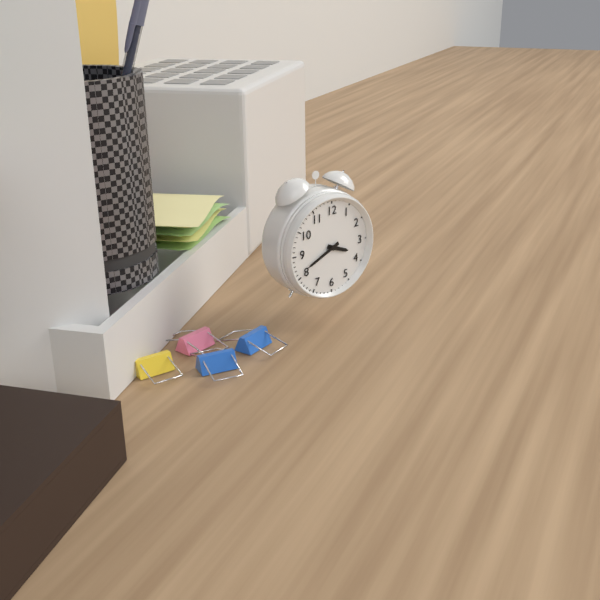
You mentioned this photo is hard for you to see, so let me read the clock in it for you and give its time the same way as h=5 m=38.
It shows h=3 m=41
